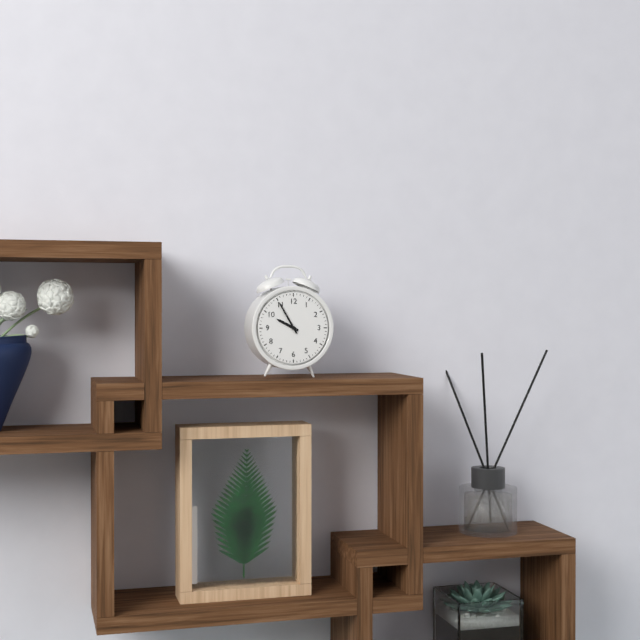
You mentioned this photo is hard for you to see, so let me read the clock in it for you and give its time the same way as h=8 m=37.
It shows h=9 m=55
